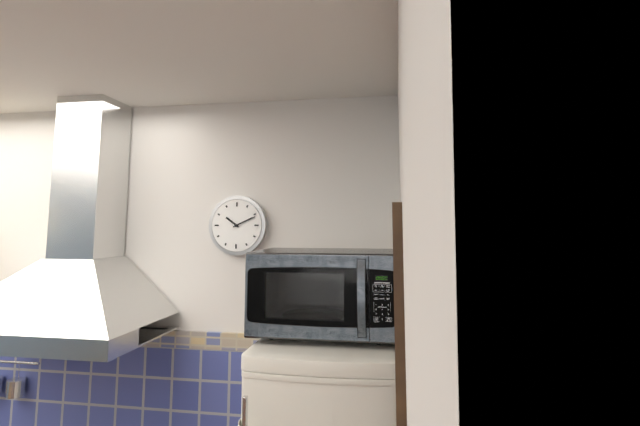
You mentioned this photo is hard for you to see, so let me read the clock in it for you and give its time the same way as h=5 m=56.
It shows h=10 m=11
